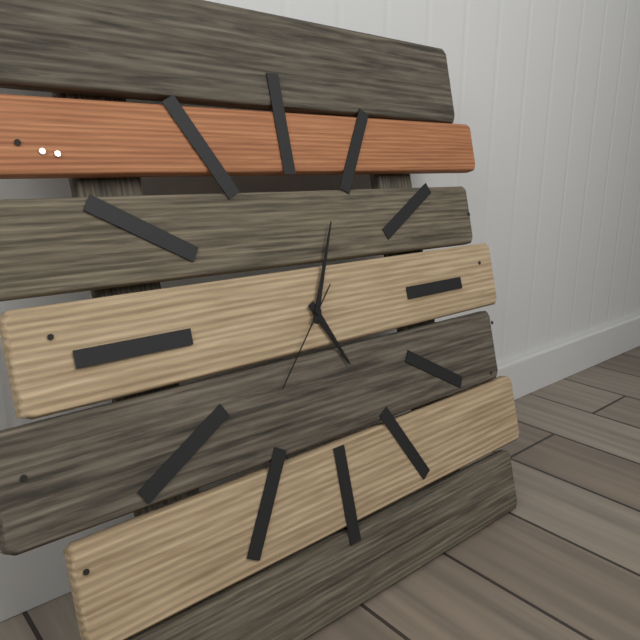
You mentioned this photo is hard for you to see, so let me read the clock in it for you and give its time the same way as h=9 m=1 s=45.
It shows h=5 m=4 s=37
